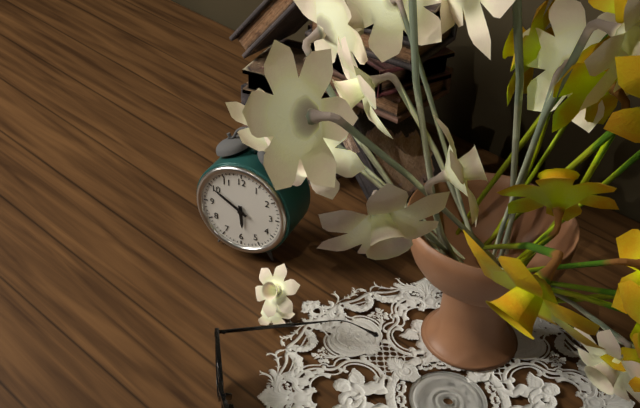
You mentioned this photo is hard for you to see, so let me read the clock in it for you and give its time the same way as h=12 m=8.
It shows h=5 m=50
